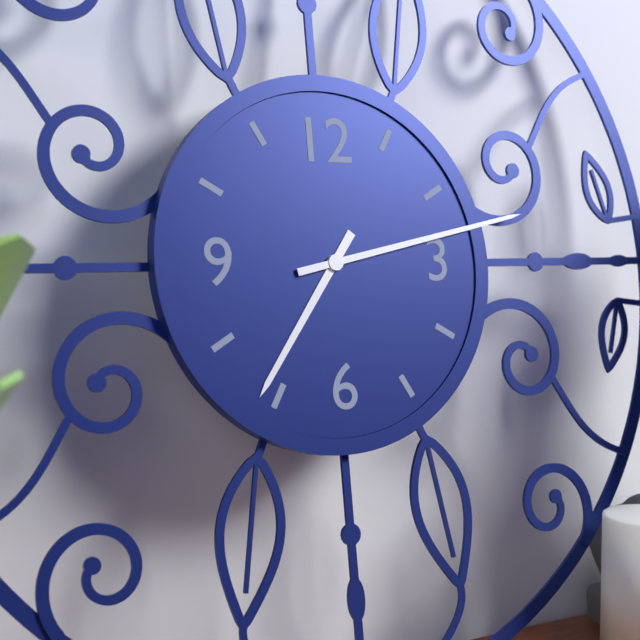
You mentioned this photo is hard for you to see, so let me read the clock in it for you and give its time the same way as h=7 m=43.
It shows h=7 m=13
